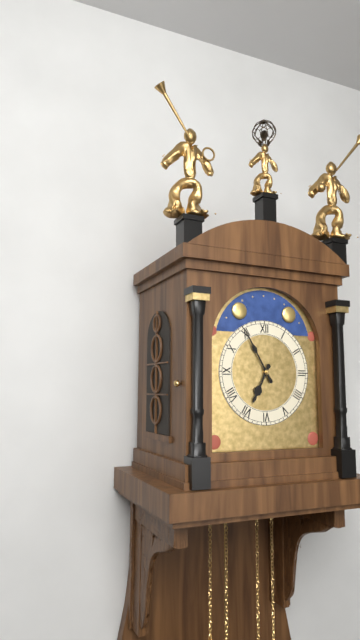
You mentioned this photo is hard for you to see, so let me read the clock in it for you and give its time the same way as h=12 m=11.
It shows h=6 m=55
